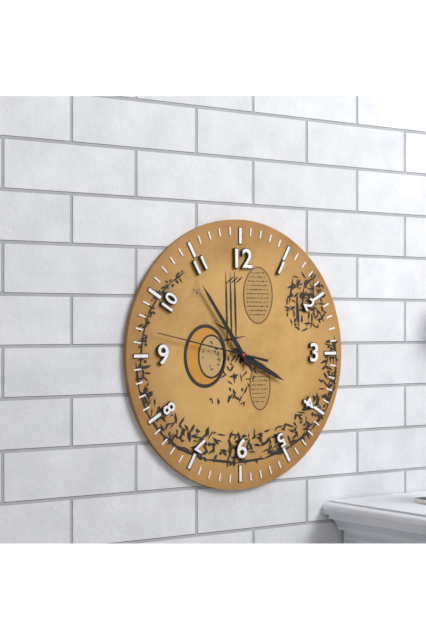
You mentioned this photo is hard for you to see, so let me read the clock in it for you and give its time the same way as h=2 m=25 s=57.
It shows h=3 m=54 s=47
